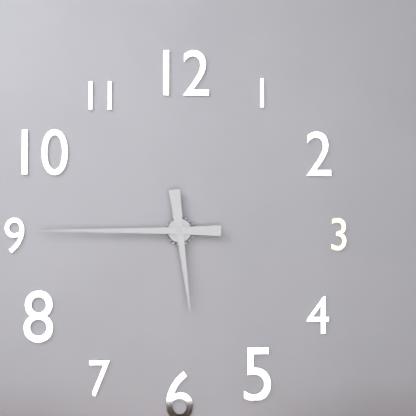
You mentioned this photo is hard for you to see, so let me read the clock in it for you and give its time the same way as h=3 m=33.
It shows h=5 m=45
